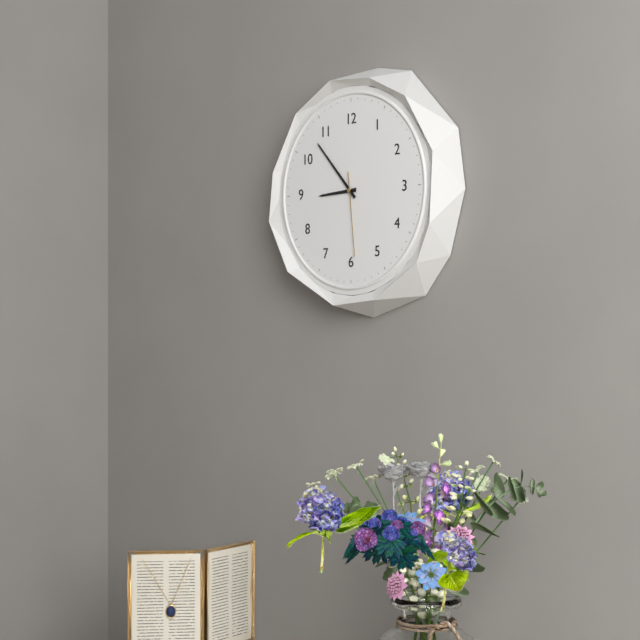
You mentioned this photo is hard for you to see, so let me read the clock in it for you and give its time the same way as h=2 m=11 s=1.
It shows h=8 m=53 s=29
